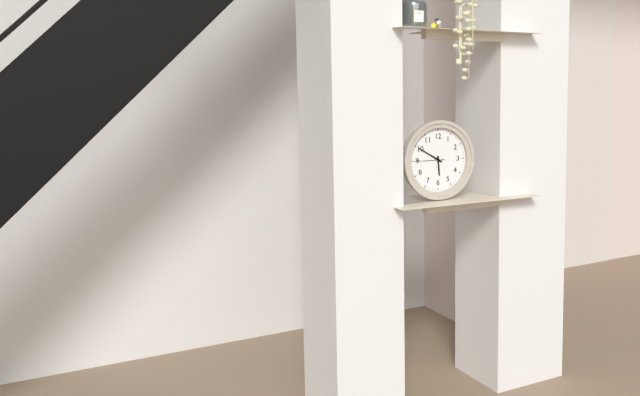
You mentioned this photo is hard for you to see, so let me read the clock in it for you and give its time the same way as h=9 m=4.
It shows h=5 m=50
